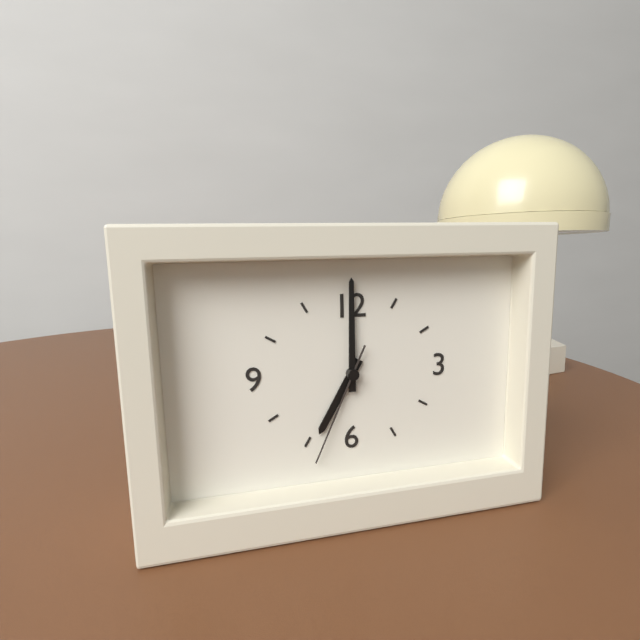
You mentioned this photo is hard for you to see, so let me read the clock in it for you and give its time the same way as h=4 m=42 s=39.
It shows h=7 m=0 s=34
